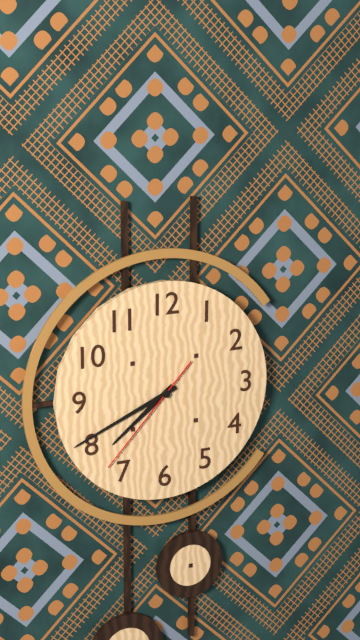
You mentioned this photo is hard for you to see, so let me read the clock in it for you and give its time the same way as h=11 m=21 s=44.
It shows h=7 m=41 s=37
